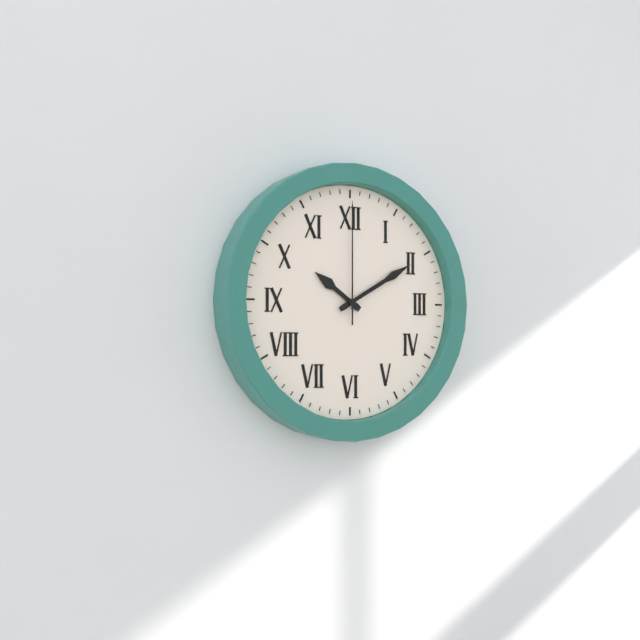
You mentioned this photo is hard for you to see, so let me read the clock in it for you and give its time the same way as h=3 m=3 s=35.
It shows h=10 m=10 s=0
